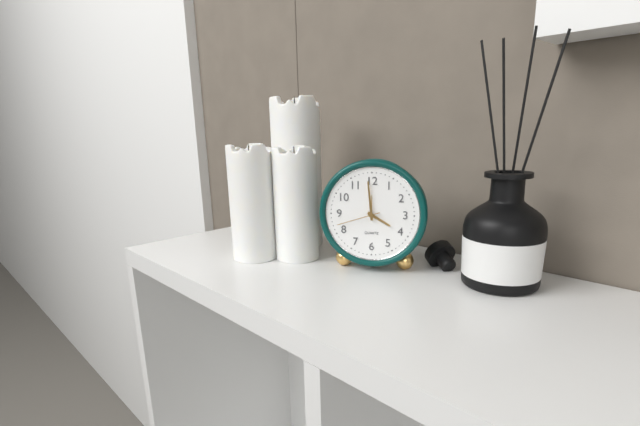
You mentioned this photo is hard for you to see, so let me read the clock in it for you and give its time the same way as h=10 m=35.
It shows h=3 m=59
